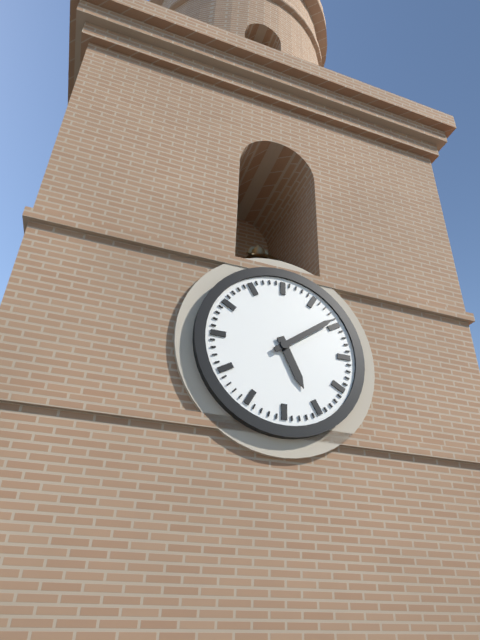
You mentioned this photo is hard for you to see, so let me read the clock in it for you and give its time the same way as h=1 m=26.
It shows h=5 m=9
